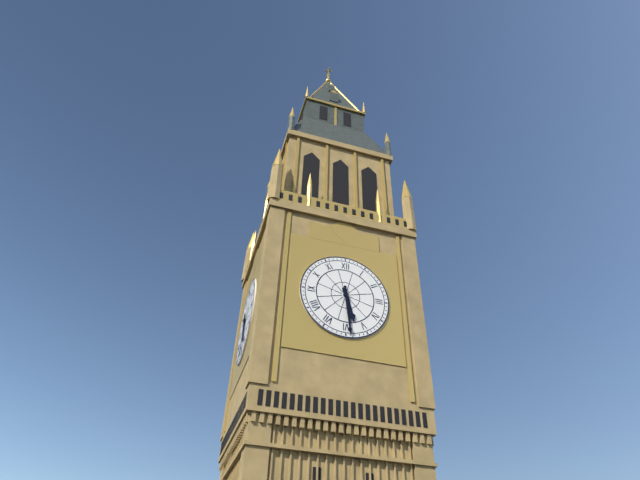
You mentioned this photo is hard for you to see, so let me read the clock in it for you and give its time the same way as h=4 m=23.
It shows h=5 m=29
